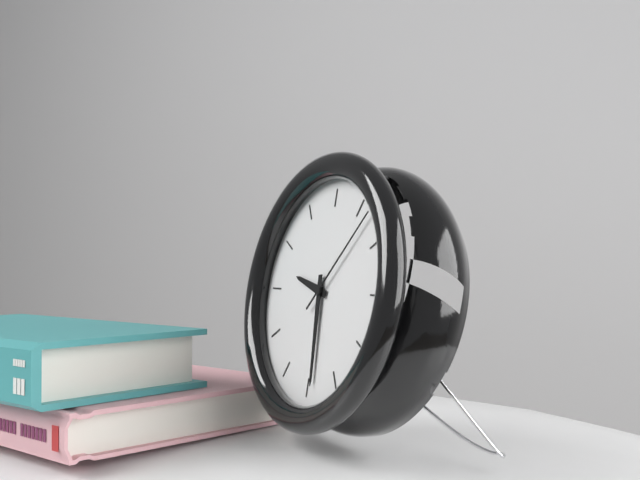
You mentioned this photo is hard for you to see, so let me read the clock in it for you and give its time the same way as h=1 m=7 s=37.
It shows h=9 m=29 s=7
